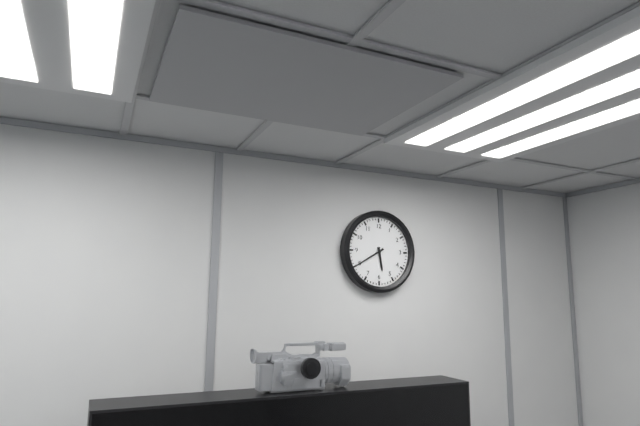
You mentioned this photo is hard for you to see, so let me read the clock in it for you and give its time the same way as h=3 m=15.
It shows h=5 m=40
